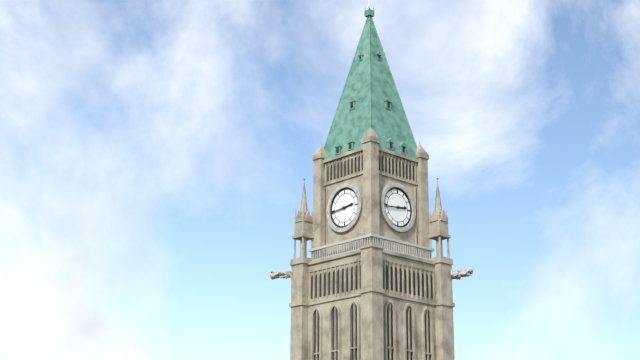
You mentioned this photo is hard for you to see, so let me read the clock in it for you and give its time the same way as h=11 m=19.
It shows h=2 m=44
